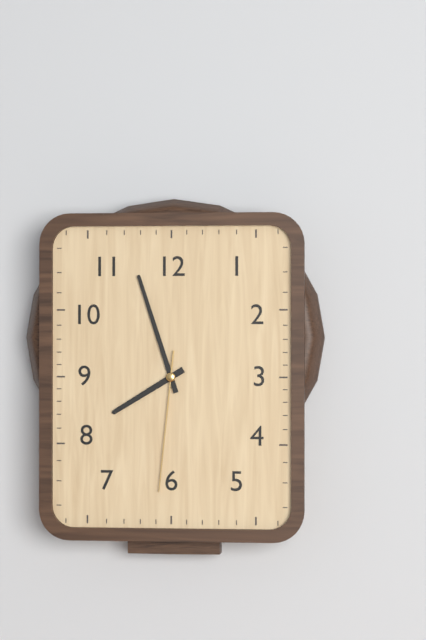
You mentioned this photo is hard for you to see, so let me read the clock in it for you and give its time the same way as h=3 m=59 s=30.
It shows h=7 m=57 s=31
